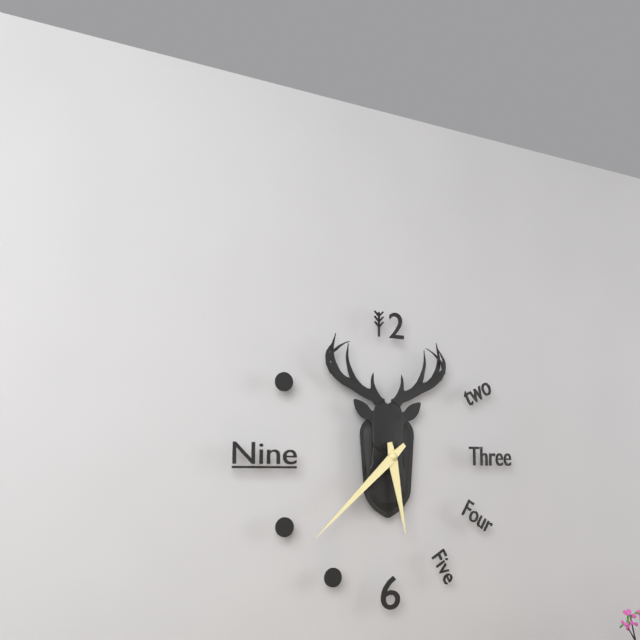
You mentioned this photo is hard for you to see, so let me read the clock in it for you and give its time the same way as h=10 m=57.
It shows h=5 m=38
